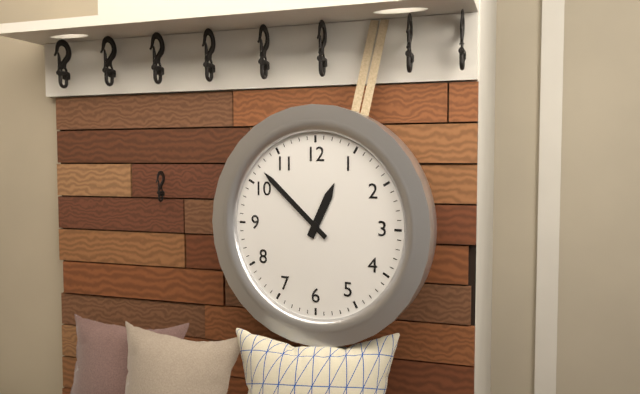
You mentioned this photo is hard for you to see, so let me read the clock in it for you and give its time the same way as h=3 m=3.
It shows h=12 m=52
